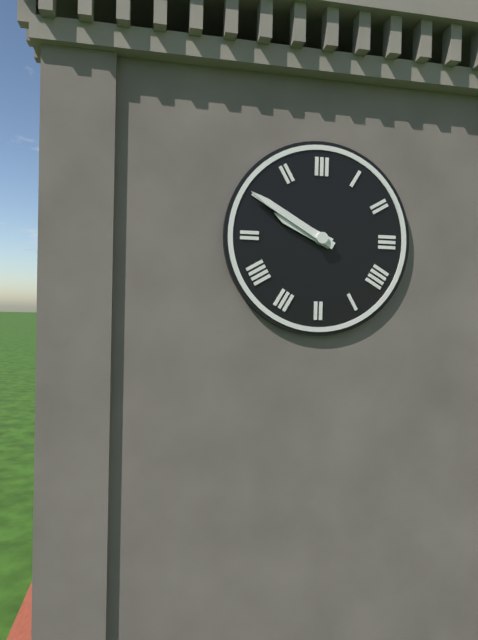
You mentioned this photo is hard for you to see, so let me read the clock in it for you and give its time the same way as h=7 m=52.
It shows h=9 m=50
